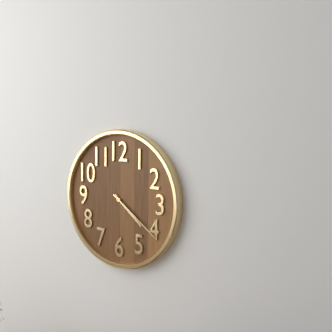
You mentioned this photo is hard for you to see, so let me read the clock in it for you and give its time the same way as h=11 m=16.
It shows h=4 m=21
